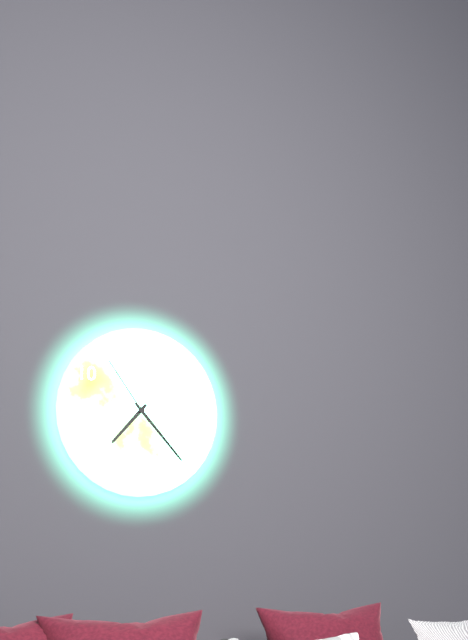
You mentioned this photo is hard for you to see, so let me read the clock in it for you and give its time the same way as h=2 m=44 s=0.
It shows h=7 m=23 s=54
